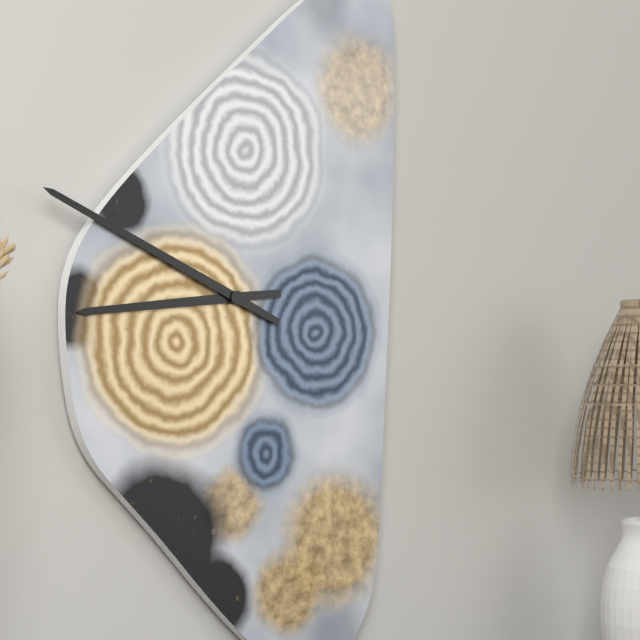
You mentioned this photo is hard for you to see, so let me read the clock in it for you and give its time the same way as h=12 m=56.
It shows h=8 m=49
